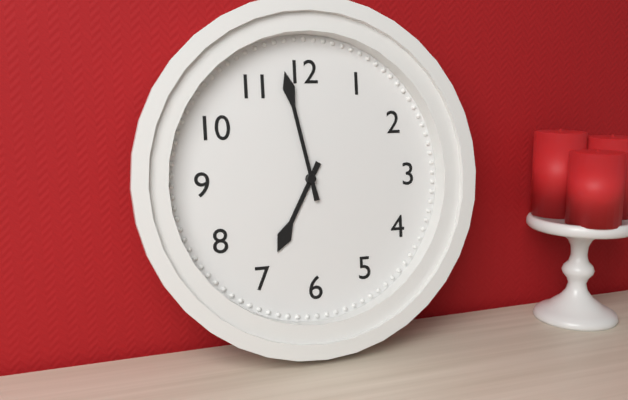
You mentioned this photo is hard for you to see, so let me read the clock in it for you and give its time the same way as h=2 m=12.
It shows h=6 m=58
